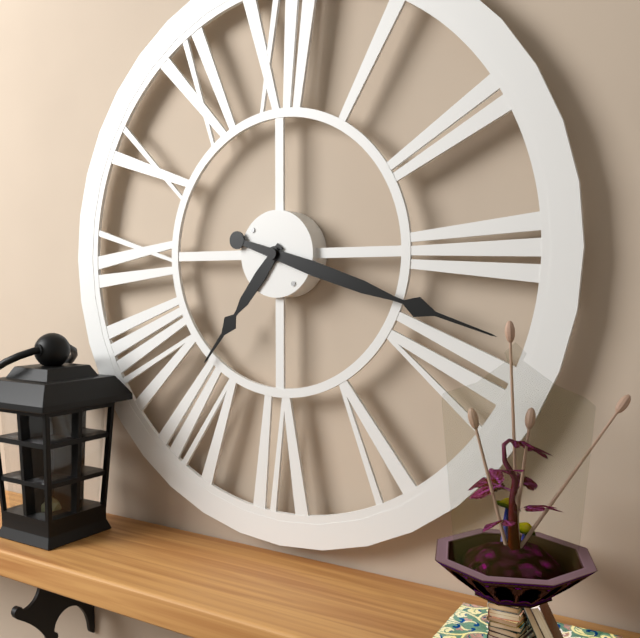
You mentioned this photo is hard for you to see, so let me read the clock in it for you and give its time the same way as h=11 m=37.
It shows h=7 m=18
